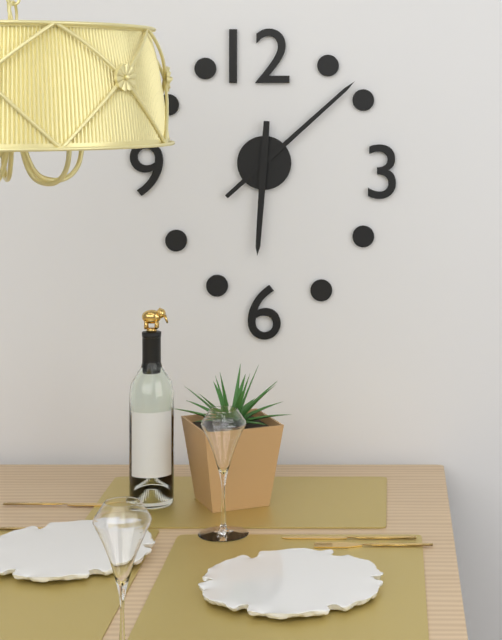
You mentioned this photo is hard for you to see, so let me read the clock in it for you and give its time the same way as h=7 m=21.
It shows h=6 m=8
